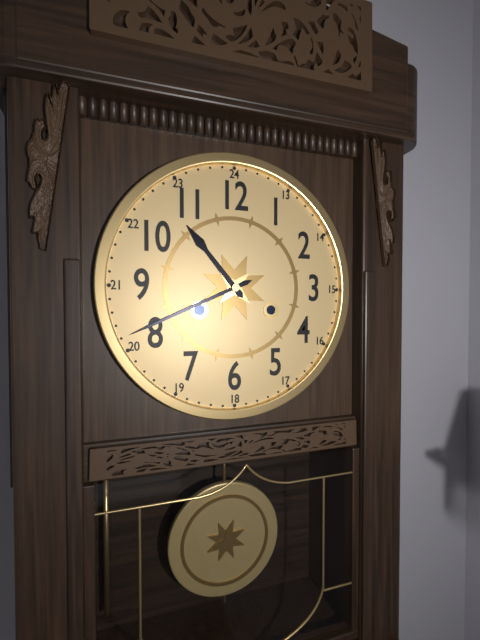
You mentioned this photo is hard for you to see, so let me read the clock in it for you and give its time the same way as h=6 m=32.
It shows h=10 m=41
